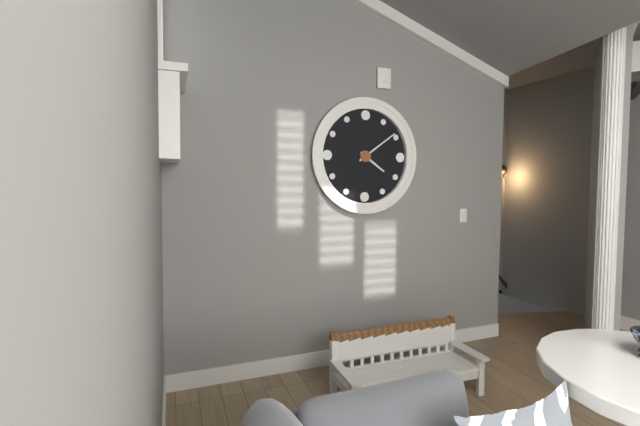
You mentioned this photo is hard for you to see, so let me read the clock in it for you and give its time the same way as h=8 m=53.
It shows h=4 m=9
